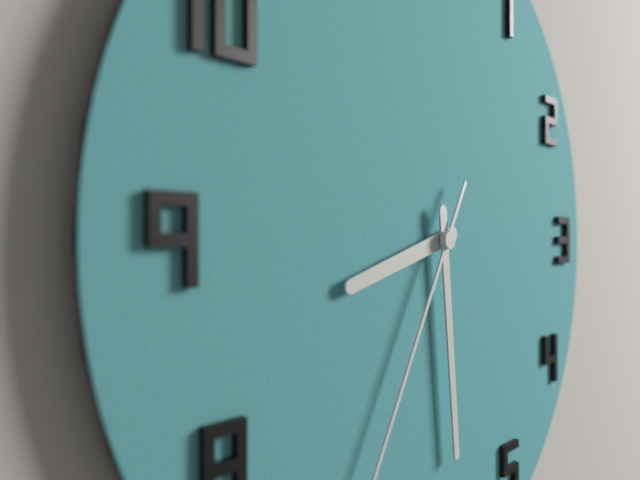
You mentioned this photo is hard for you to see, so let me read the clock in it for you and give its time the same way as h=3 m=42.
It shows h=8 m=29
